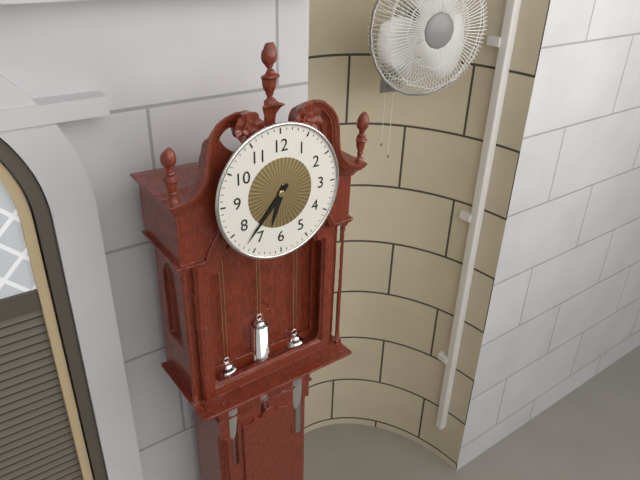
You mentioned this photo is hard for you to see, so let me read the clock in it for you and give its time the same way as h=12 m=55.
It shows h=6 m=37
